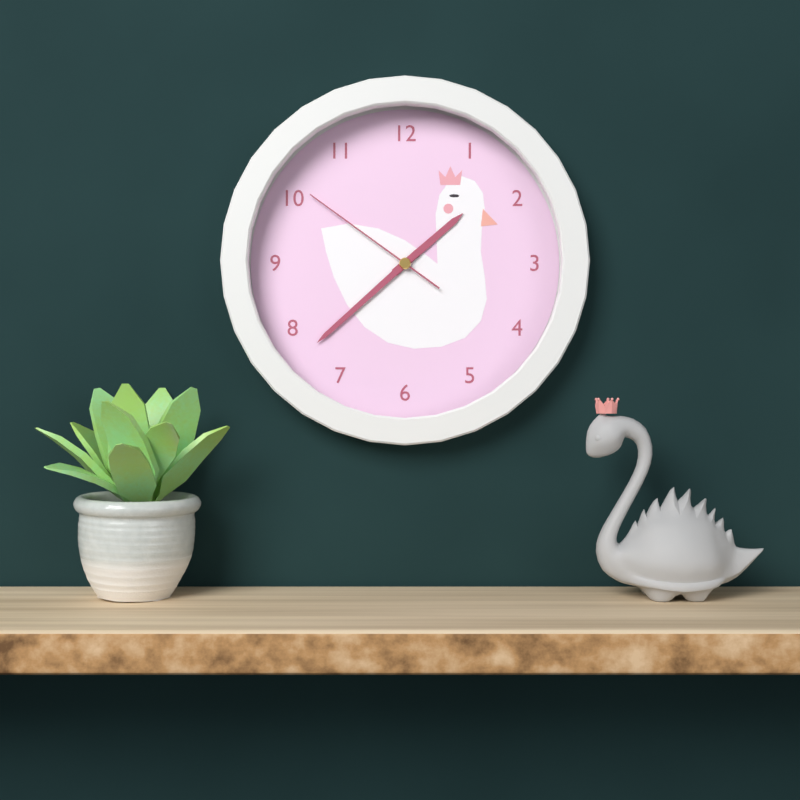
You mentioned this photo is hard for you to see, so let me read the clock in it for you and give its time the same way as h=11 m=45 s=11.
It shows h=1 m=38 s=51
